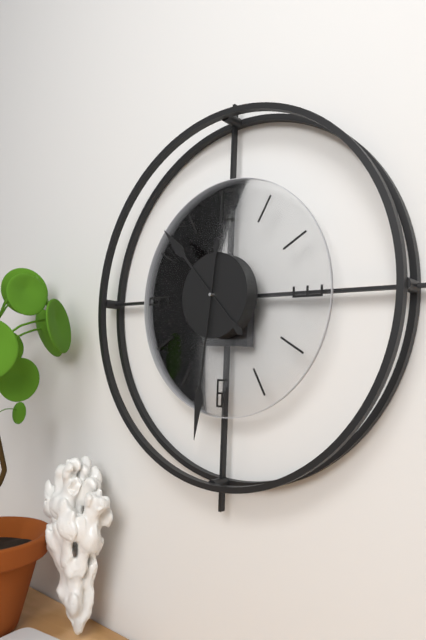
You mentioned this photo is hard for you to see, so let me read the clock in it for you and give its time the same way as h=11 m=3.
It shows h=10 m=31
